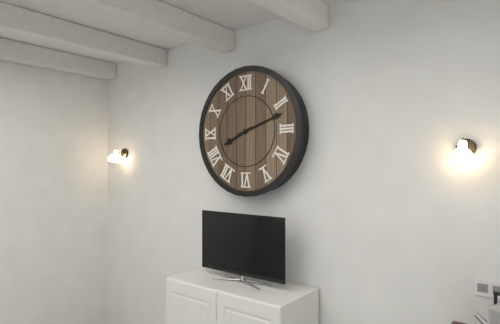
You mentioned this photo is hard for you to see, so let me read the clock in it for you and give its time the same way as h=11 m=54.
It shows h=8 m=12
